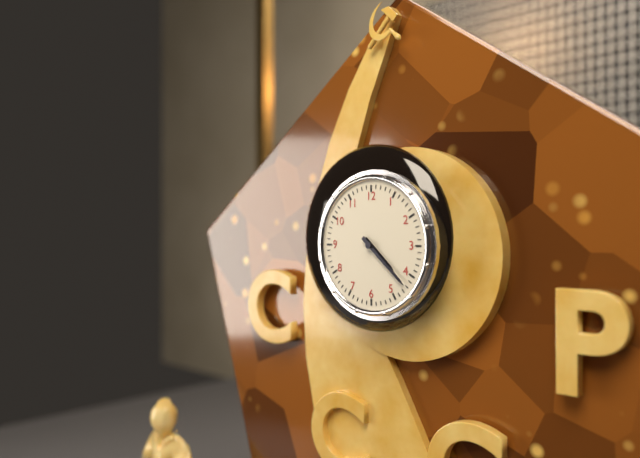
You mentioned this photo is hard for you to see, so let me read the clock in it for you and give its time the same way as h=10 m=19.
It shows h=4 m=22
